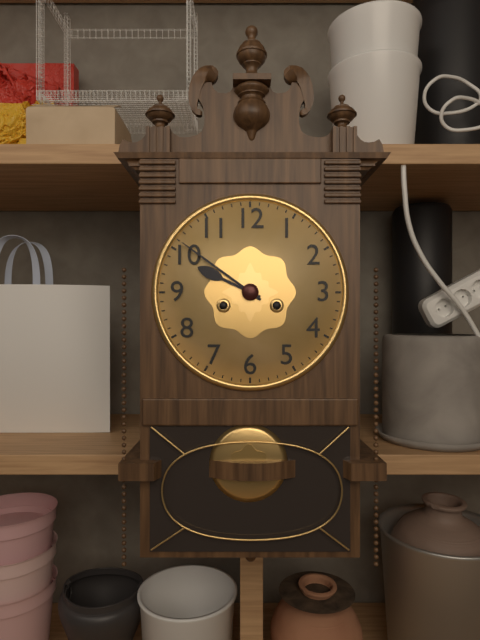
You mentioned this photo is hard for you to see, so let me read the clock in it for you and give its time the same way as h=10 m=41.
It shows h=9 m=51
